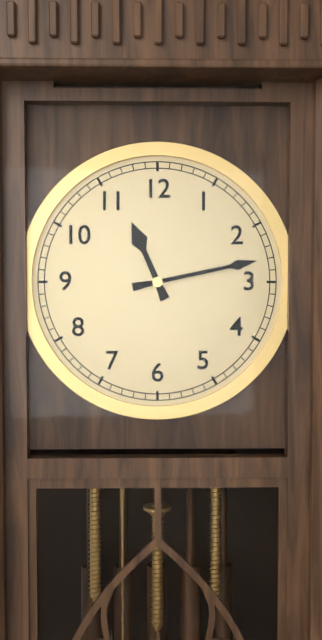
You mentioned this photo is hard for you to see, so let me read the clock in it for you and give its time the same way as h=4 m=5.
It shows h=11 m=13
